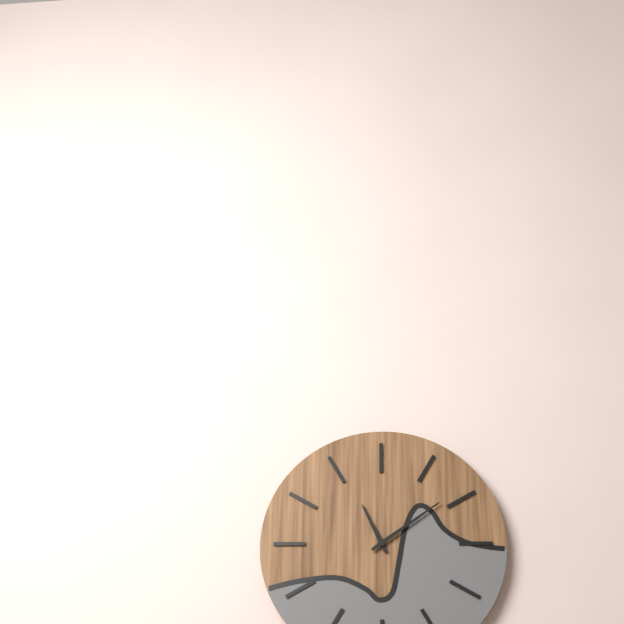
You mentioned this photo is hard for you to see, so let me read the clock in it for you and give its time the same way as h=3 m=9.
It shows h=11 m=9
